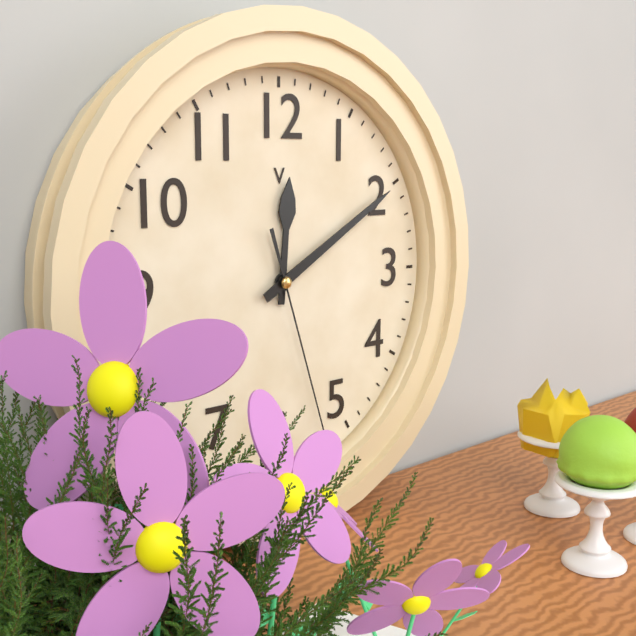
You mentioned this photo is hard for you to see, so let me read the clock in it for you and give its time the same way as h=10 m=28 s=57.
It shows h=12 m=10 s=27
